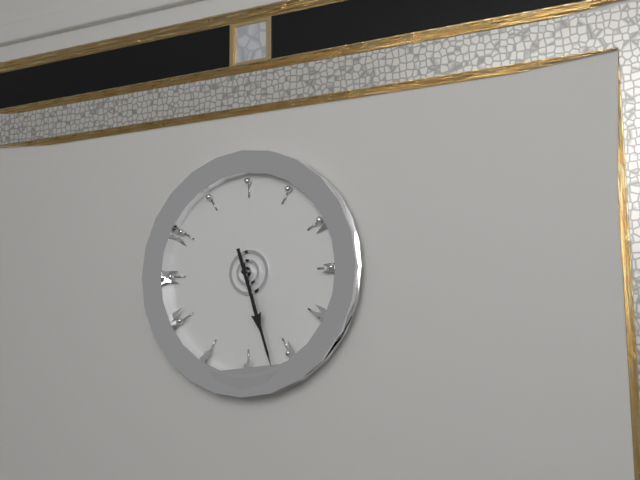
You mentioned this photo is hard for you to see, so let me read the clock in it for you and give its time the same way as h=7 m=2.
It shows h=5 m=27
